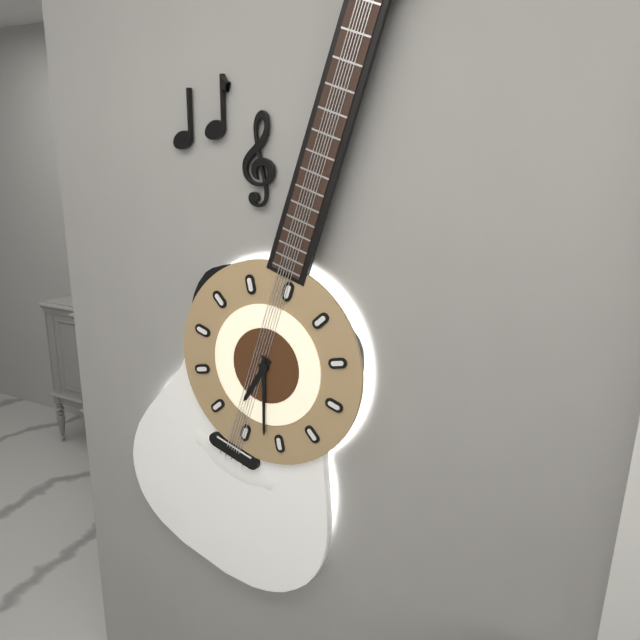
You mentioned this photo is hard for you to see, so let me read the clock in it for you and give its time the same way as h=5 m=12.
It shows h=6 m=27
